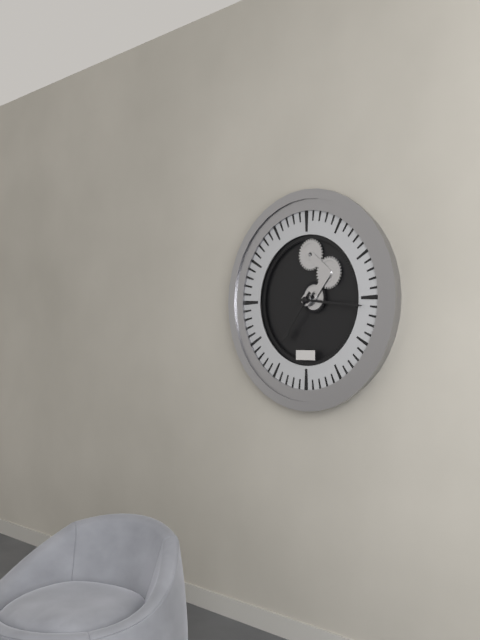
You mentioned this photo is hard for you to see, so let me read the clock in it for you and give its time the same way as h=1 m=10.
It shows h=7 m=16
